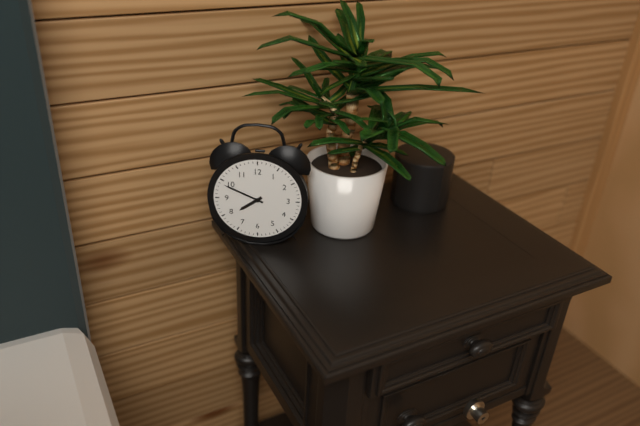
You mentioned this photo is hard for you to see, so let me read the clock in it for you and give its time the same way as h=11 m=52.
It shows h=7 m=49
